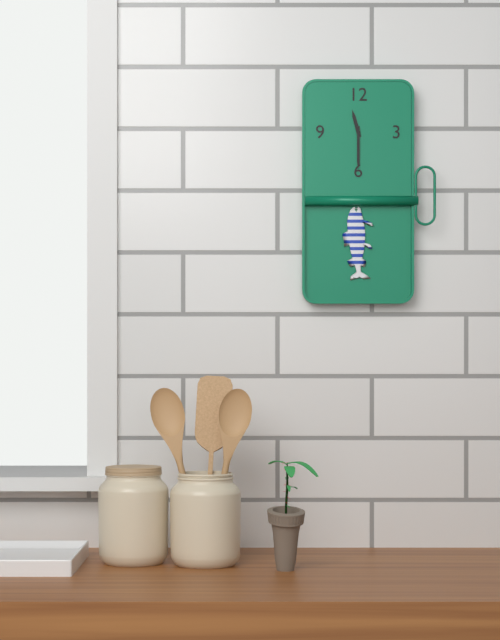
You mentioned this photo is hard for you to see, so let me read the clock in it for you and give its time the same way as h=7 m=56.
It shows h=11 m=30
